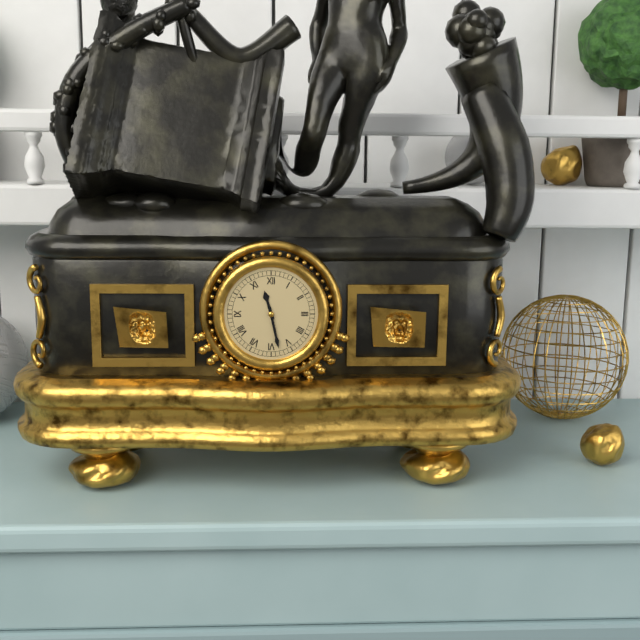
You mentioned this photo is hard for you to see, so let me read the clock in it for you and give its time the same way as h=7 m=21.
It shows h=11 m=28
